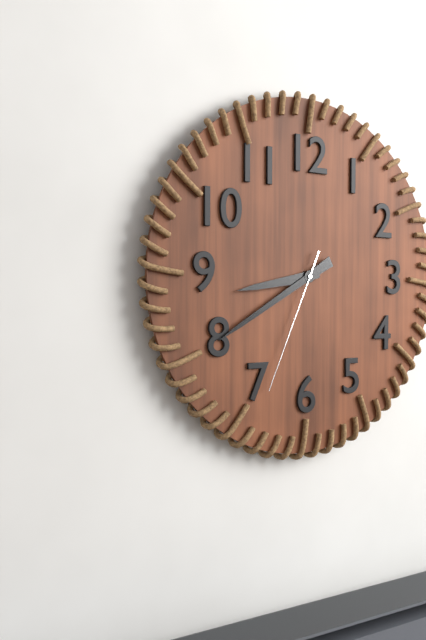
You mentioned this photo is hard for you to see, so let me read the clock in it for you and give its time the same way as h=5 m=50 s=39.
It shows h=8 m=40 s=34
